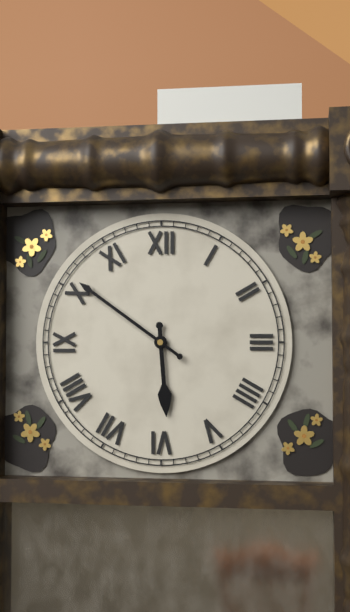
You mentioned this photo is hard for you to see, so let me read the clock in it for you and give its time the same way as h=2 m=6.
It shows h=5 m=51
